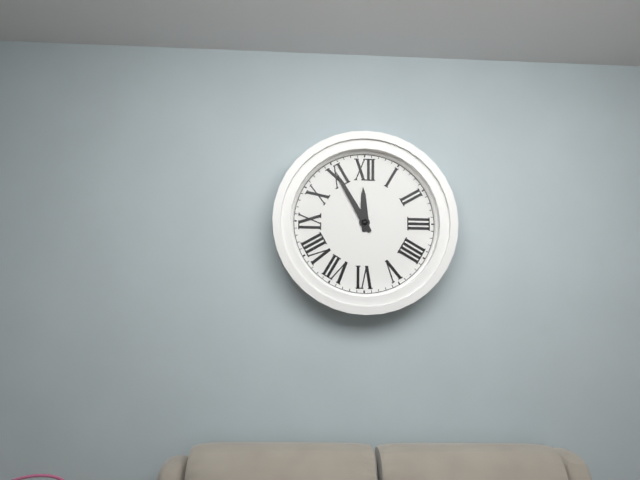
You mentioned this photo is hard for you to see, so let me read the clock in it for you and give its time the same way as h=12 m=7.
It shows h=11 m=55
